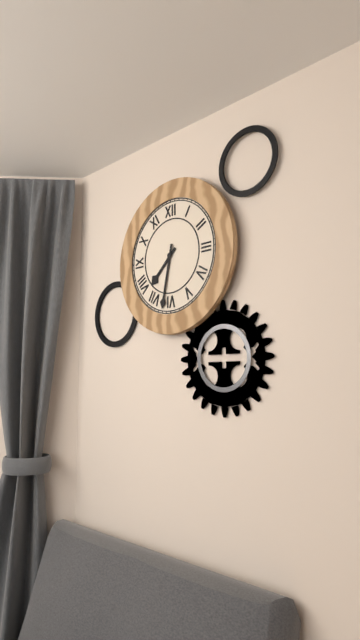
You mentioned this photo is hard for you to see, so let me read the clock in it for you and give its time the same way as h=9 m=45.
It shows h=7 m=32
